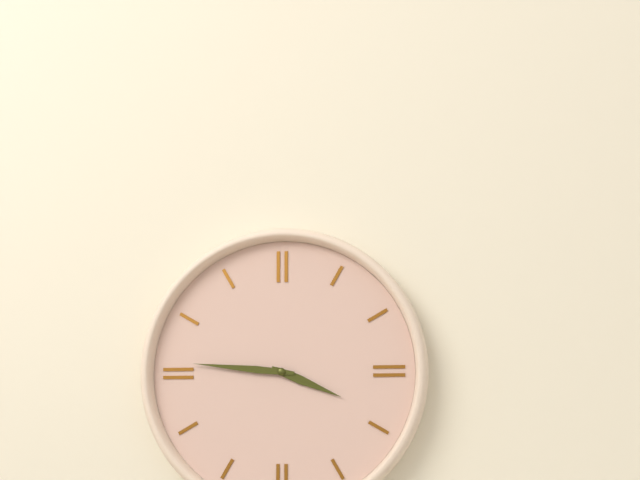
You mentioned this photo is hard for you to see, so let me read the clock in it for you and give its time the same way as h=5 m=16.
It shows h=3 m=46
